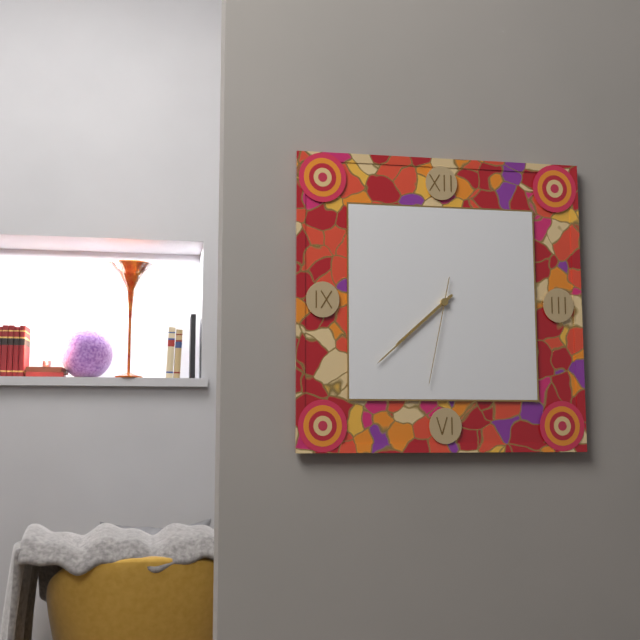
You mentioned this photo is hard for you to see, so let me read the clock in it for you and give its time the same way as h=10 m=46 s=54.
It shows h=7 m=38 s=32
